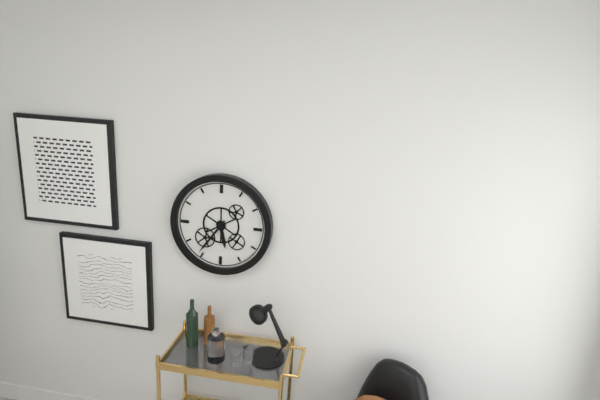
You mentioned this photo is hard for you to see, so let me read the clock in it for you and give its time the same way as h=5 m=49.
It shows h=5 m=36
